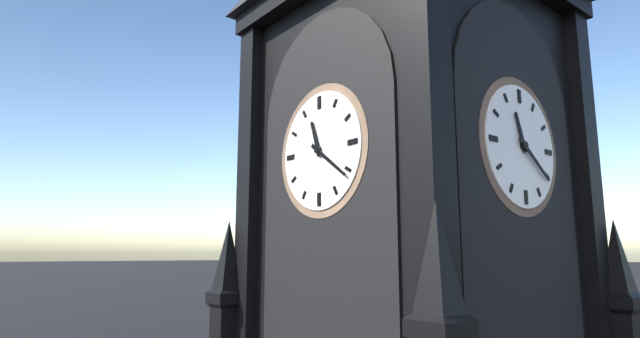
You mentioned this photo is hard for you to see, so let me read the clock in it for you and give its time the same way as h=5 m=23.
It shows h=11 m=21
